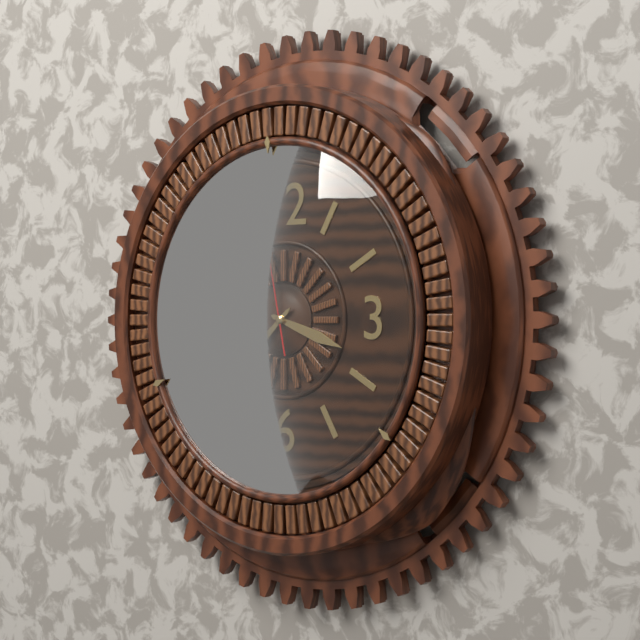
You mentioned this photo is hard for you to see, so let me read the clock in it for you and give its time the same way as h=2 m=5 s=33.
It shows h=3 m=38 s=58
